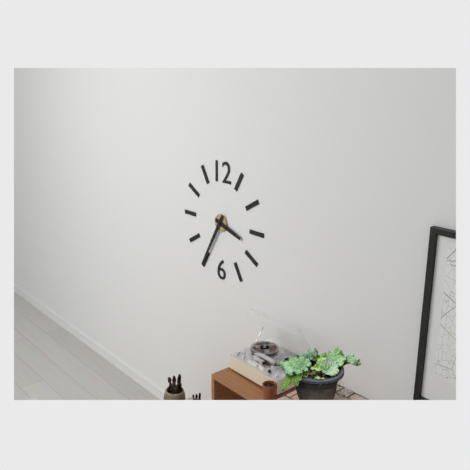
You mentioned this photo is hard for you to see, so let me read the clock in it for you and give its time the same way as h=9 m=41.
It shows h=3 m=35
